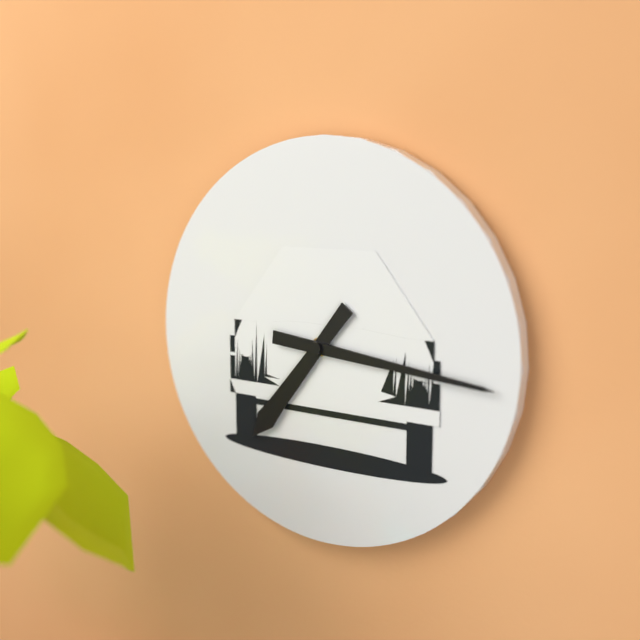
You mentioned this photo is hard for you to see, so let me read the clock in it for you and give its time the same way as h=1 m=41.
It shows h=7 m=16
